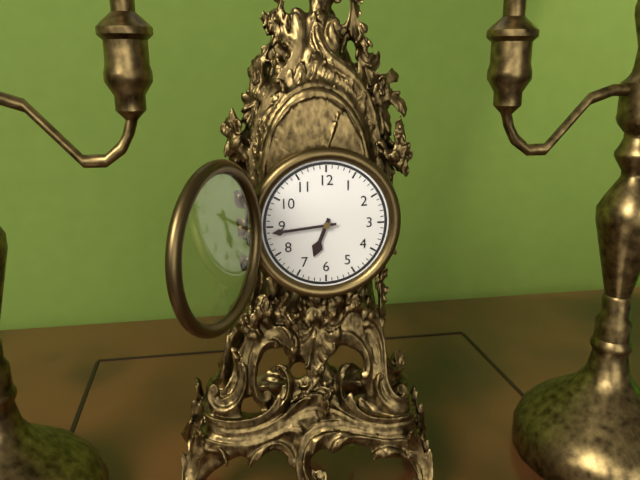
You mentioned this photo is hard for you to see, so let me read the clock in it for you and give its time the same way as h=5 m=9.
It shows h=6 m=44
